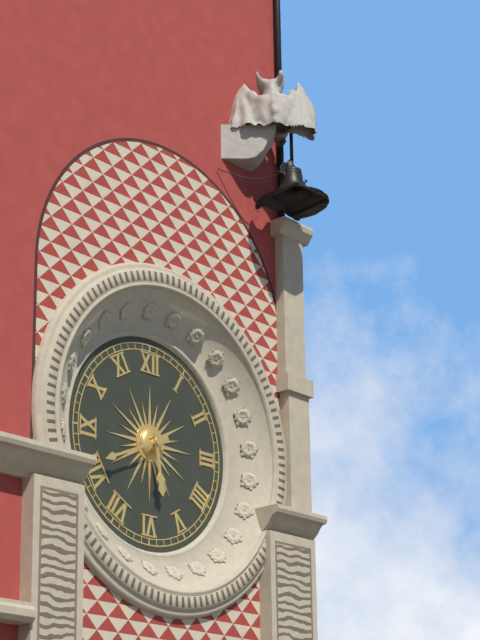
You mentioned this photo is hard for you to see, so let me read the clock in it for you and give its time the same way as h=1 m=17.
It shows h=5 m=41
